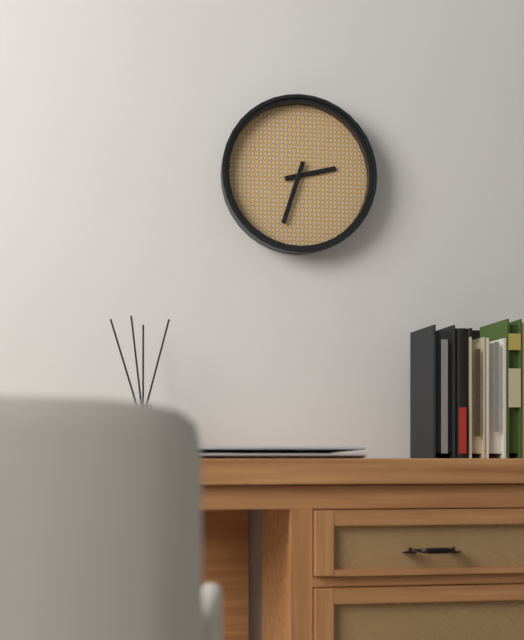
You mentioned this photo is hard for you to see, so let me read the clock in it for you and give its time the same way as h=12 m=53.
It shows h=2 m=33
